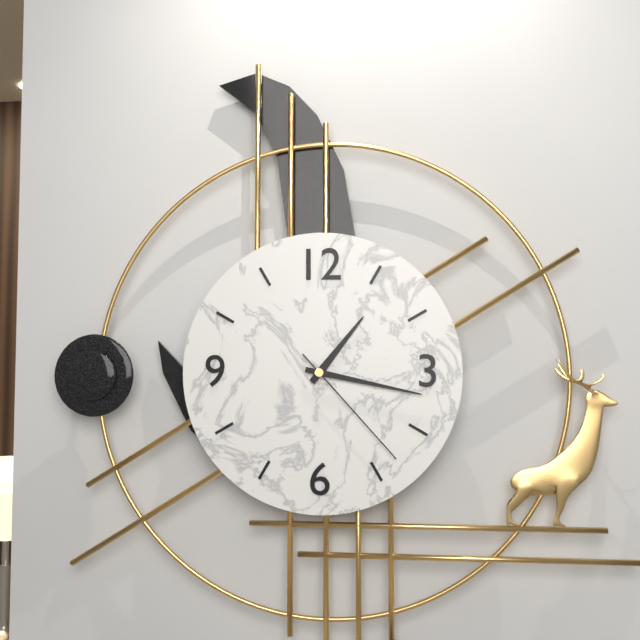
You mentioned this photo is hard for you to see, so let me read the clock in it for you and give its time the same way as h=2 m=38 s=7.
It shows h=1 m=17 s=23
